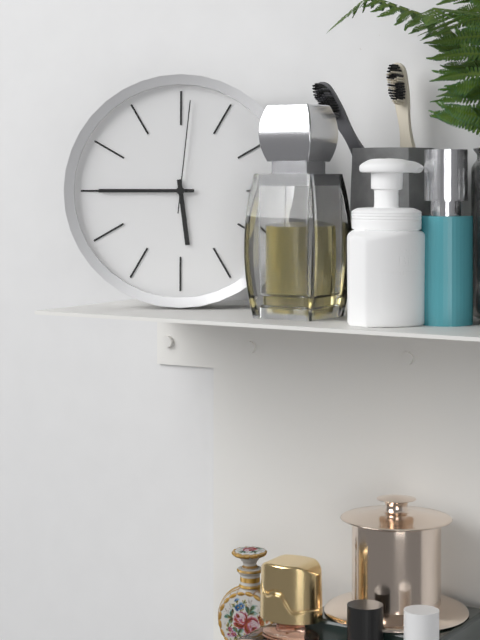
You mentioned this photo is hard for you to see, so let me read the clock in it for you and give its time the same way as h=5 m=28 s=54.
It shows h=5 m=45 s=1
